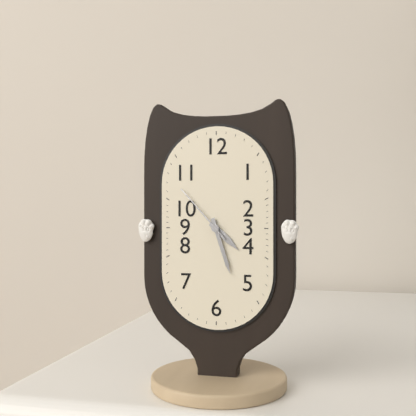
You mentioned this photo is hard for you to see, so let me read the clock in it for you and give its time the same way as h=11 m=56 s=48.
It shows h=4 m=27 s=53
